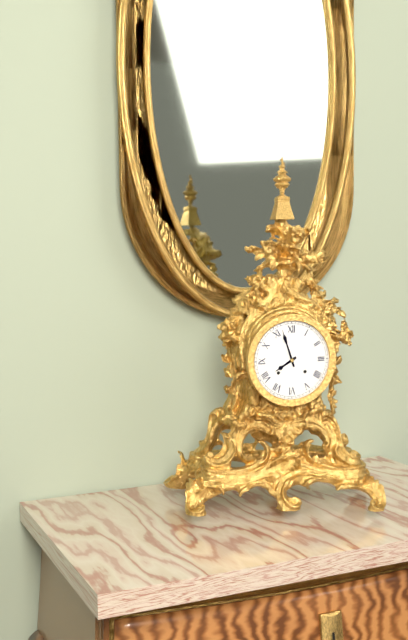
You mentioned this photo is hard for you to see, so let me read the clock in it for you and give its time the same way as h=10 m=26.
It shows h=7 m=57
